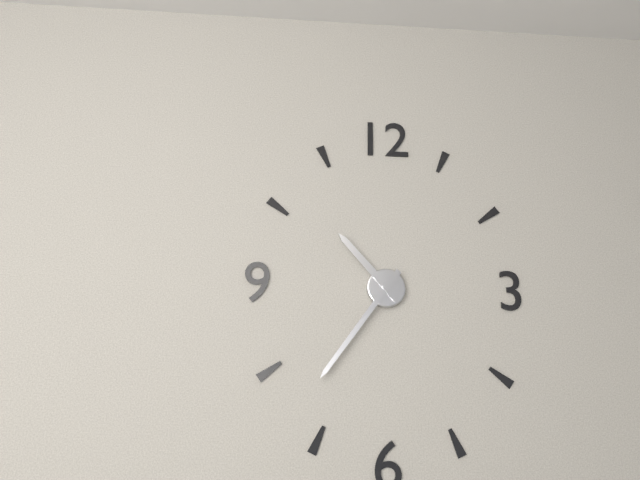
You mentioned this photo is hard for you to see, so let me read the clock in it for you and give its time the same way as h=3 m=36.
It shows h=10 m=36
